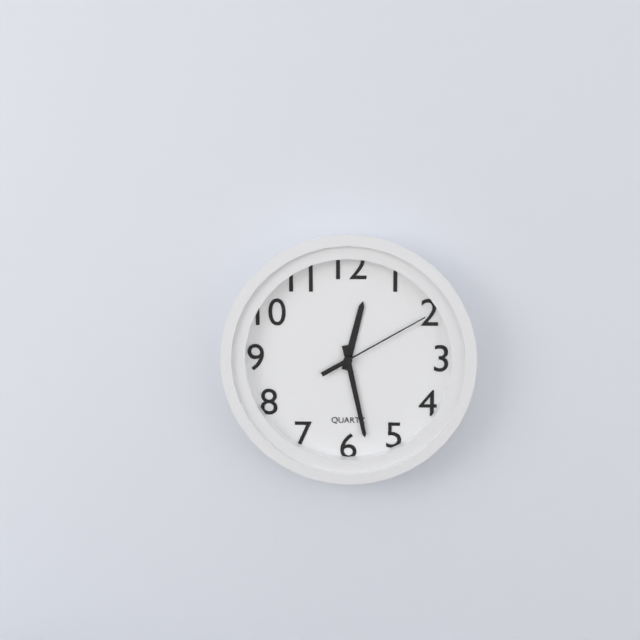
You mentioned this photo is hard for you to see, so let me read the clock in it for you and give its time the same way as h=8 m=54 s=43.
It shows h=12 m=28 s=10
